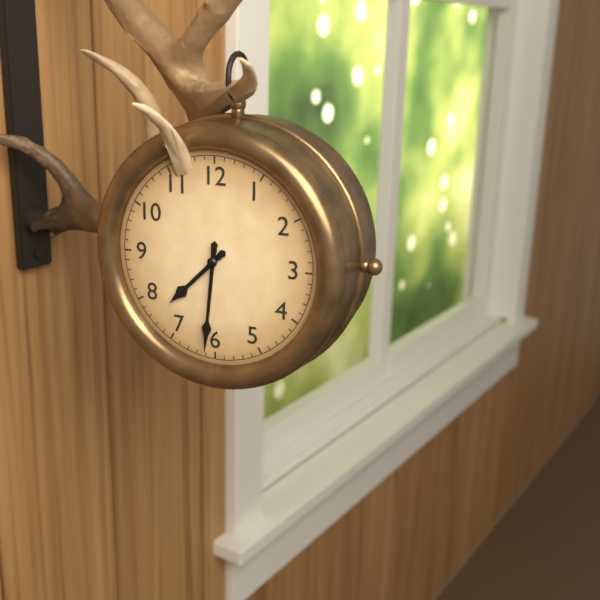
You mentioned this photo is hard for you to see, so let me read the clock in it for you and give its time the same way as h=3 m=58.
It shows h=7 m=31
